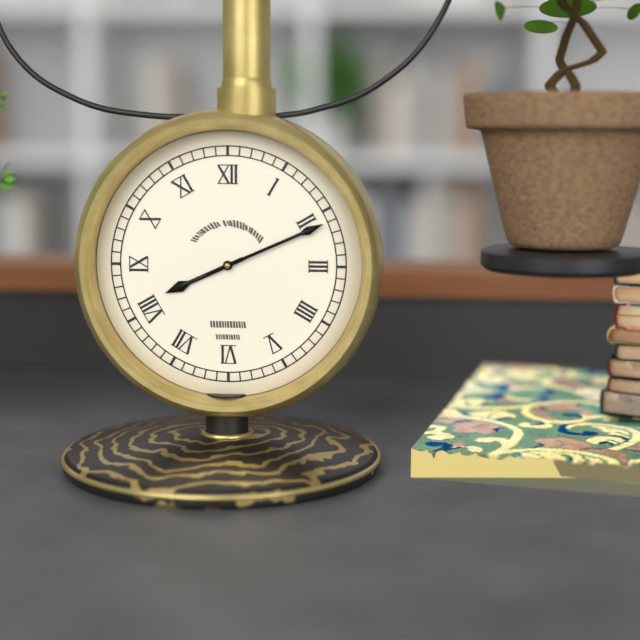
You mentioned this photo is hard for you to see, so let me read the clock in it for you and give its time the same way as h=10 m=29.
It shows h=8 m=11
